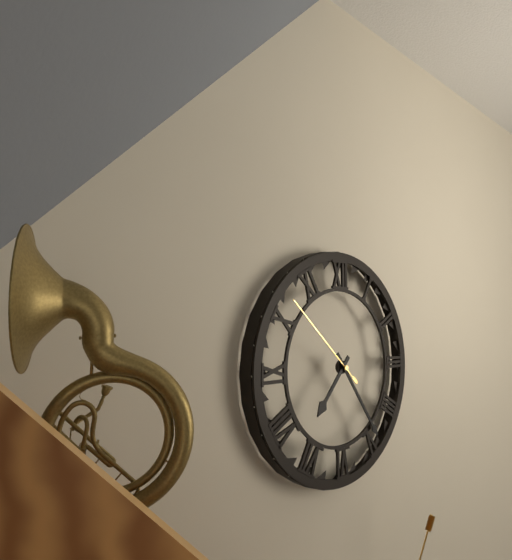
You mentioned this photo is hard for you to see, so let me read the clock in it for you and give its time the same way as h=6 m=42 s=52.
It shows h=7 m=24 s=52
